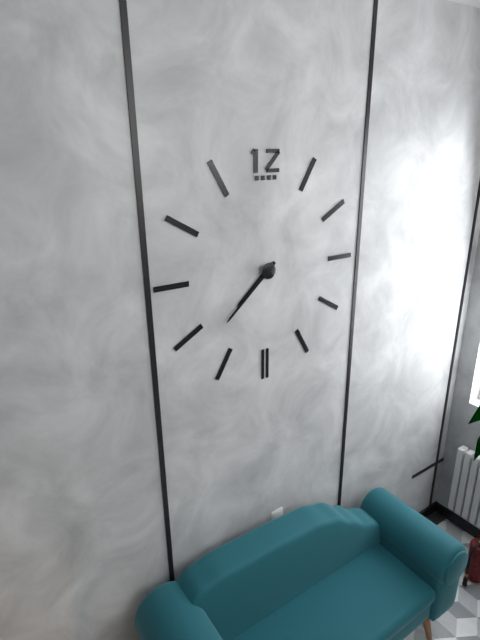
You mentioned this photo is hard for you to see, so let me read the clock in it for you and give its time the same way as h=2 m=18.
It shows h=7 m=38
